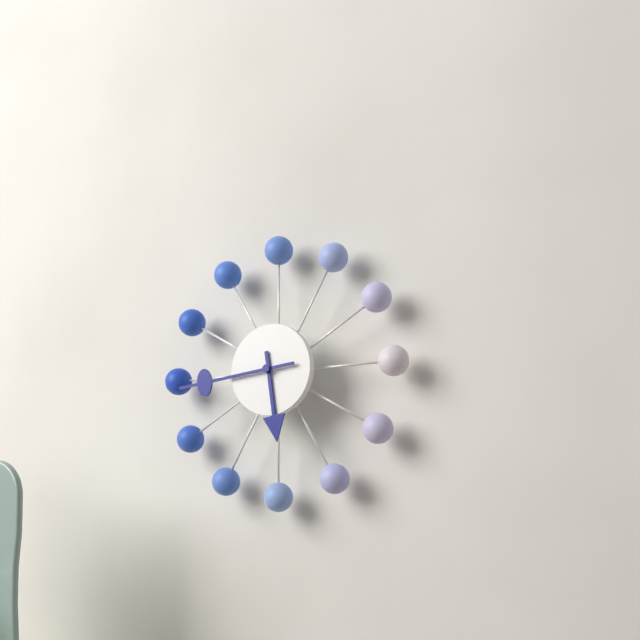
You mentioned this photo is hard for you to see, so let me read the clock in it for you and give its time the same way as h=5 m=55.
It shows h=5 m=44
